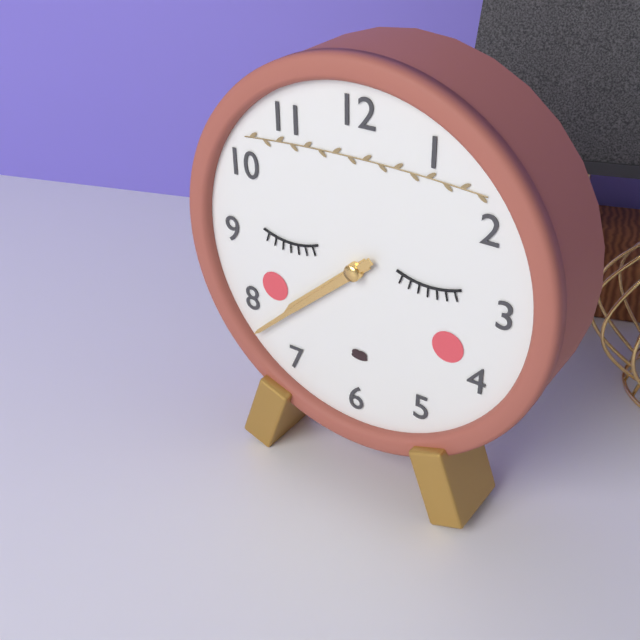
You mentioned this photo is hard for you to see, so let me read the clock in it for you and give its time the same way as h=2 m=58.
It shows h=7 m=38
